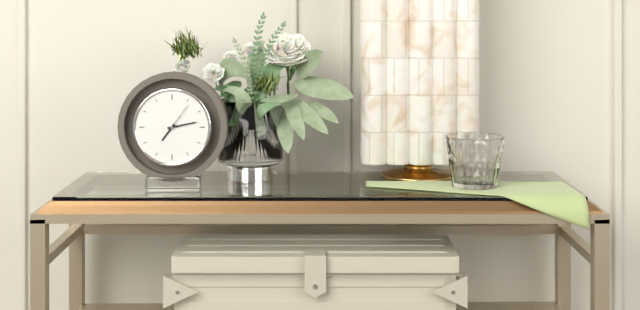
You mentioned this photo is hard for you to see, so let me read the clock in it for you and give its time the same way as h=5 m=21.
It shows h=7 m=13
